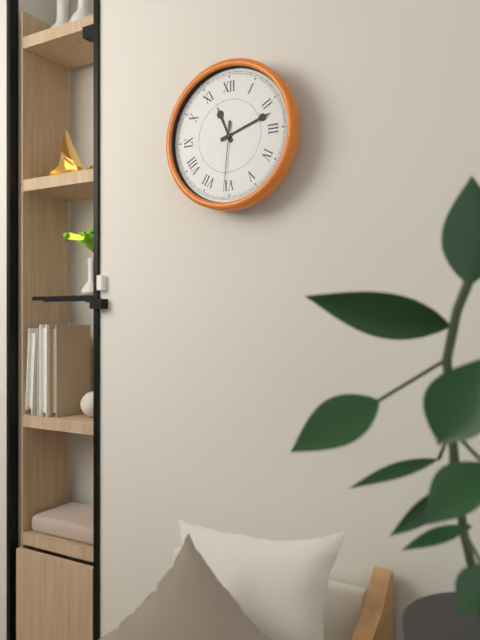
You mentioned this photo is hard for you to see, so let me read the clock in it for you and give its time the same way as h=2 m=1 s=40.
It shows h=11 m=12 s=31
